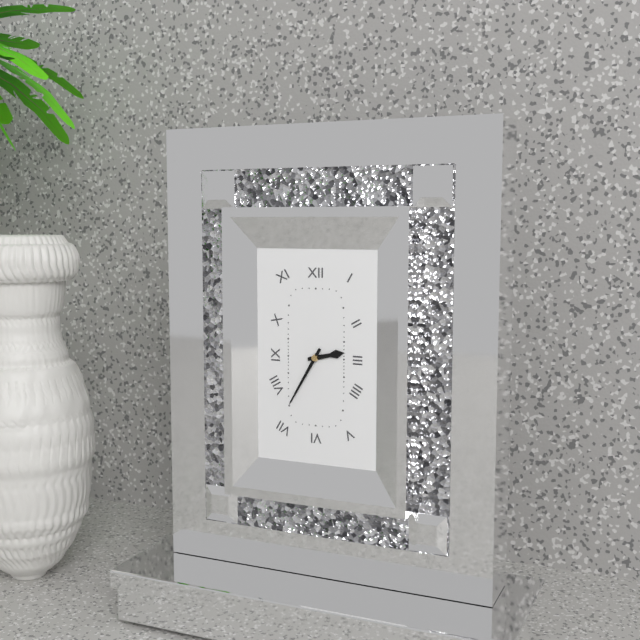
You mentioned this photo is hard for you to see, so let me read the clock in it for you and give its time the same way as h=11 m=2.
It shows h=2 m=35
